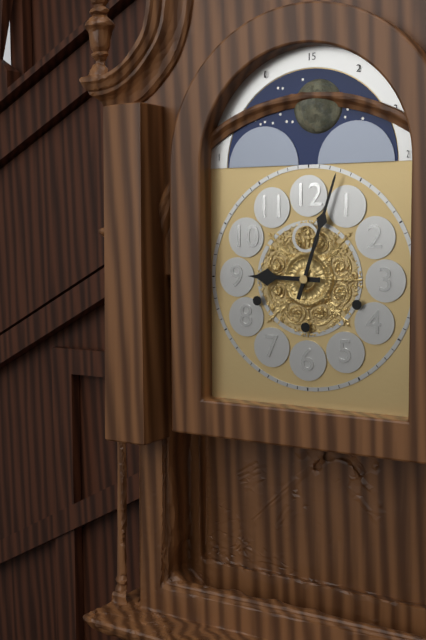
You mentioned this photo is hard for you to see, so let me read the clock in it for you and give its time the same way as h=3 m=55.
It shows h=9 m=3
